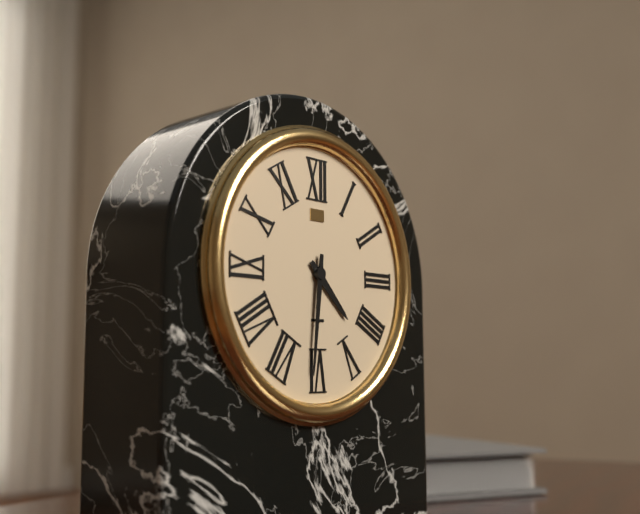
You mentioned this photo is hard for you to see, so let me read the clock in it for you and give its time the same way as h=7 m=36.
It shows h=4 m=31
